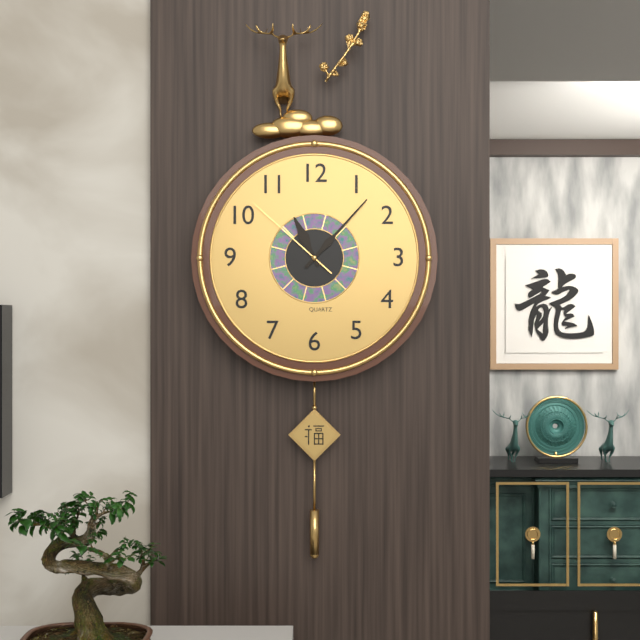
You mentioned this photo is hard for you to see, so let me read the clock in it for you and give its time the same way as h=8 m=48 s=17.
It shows h=11 m=7 s=52
